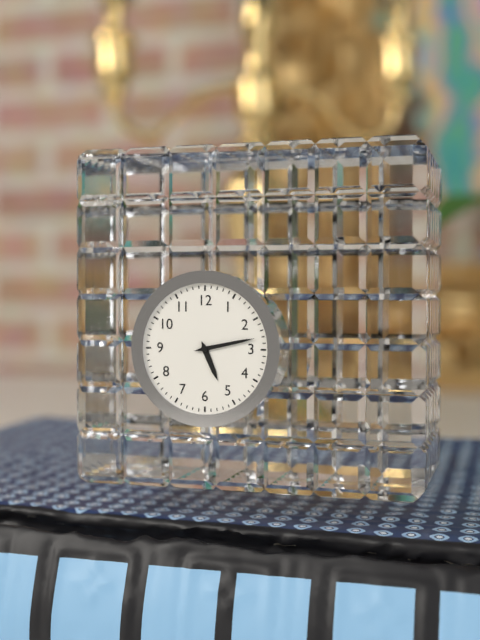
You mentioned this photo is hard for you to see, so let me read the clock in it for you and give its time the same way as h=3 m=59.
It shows h=5 m=13
